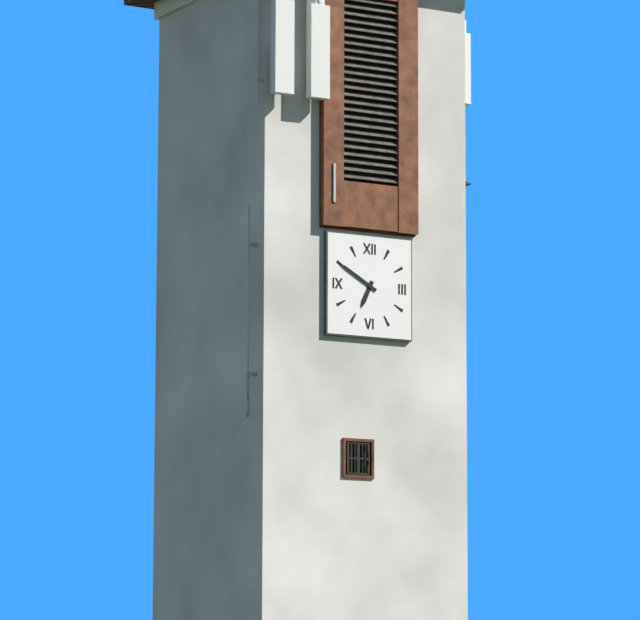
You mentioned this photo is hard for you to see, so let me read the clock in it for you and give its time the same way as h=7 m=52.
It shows h=6 m=50
